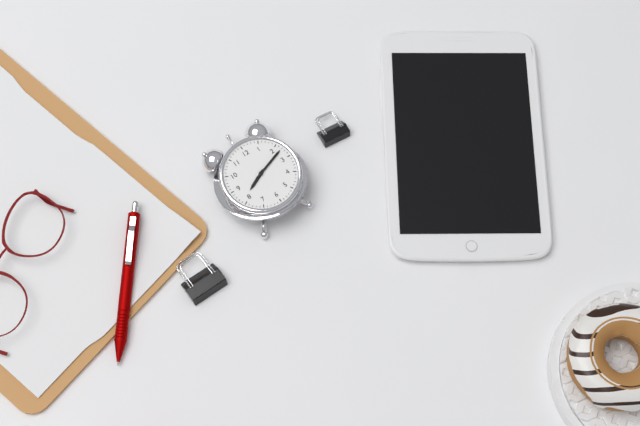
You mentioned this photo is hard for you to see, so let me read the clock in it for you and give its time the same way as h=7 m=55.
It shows h=8 m=12
